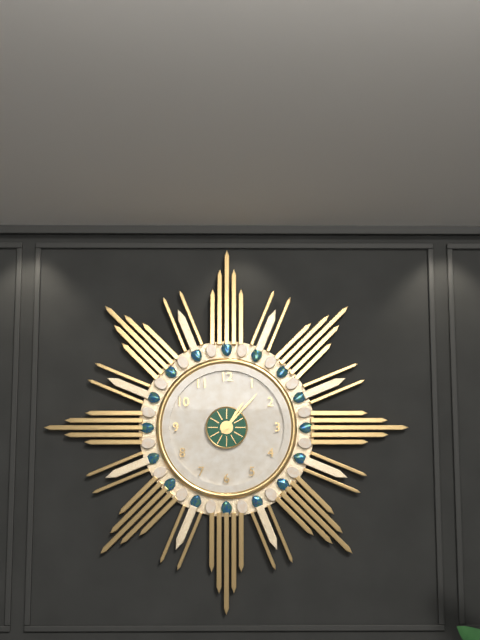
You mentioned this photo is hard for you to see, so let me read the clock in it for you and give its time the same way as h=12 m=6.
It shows h=1 m=7
